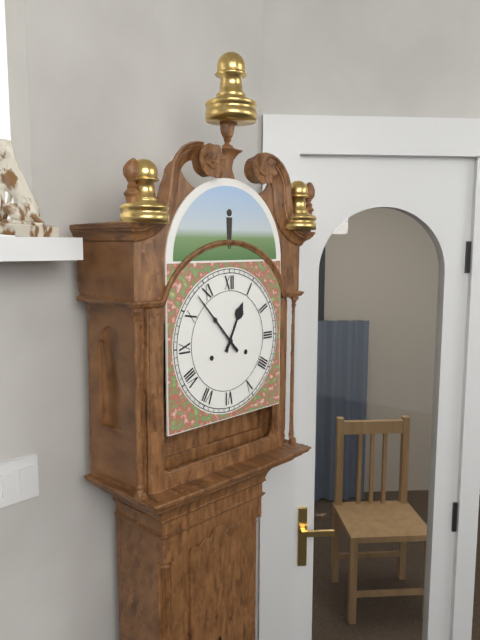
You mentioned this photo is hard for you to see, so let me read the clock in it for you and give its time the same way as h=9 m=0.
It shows h=12 m=53
